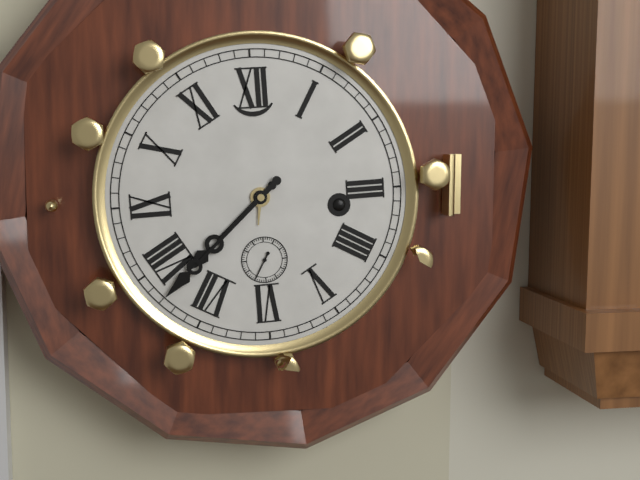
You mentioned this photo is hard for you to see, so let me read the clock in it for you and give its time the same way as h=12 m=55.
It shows h=7 m=38
